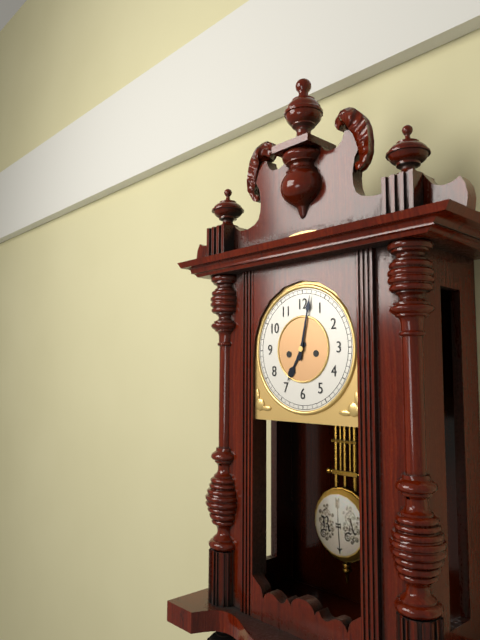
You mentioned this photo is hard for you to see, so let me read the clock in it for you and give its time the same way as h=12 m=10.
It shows h=7 m=2
